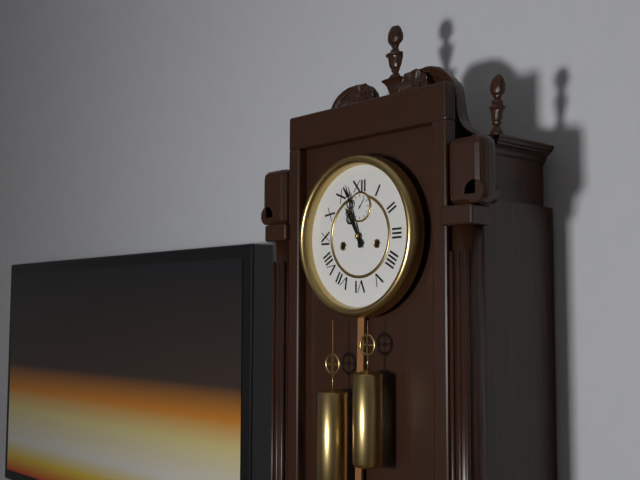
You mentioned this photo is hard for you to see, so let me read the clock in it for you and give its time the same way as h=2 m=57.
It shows h=10 m=57
